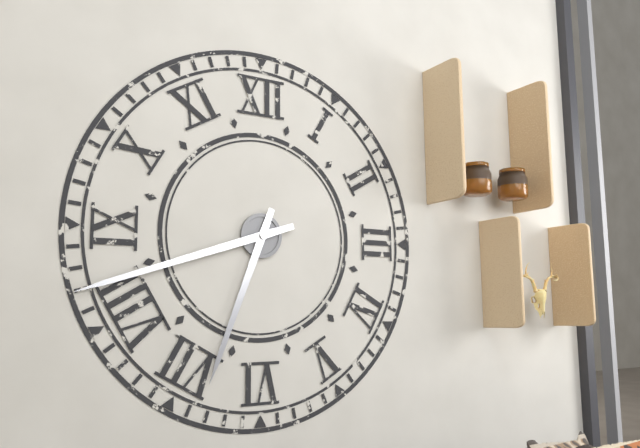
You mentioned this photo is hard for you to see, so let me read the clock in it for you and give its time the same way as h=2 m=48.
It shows h=6 m=42
